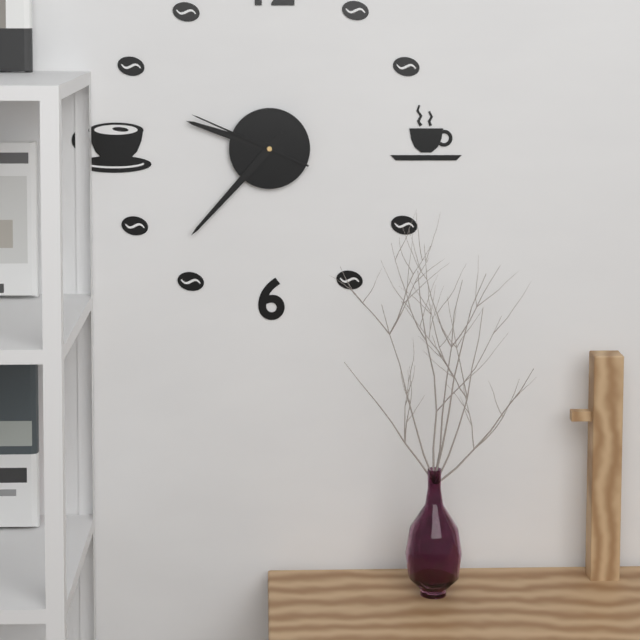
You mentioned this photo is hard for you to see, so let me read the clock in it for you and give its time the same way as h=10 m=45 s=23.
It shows h=9 m=37 s=49
